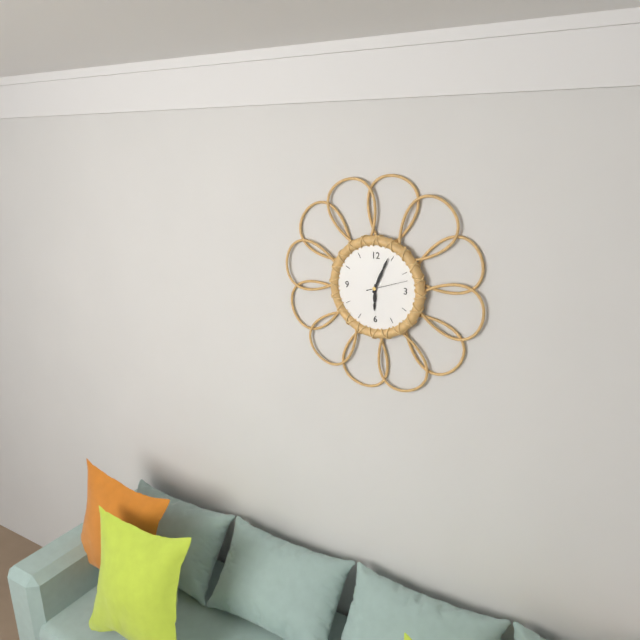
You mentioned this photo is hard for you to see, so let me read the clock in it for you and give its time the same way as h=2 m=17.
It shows h=6 m=4
